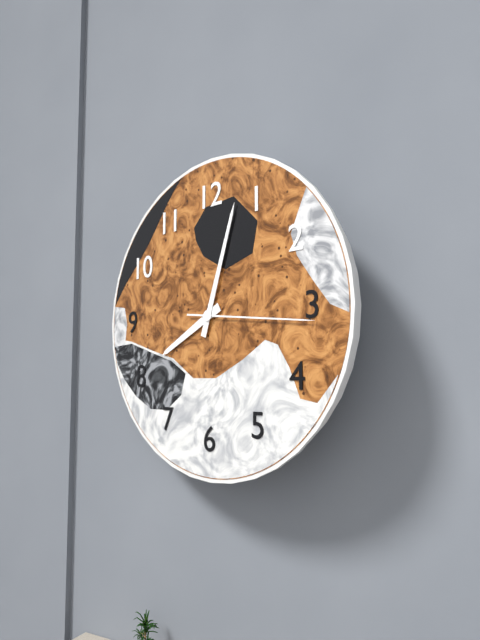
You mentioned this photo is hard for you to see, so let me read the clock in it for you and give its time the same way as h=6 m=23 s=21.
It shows h=8 m=3 s=16
